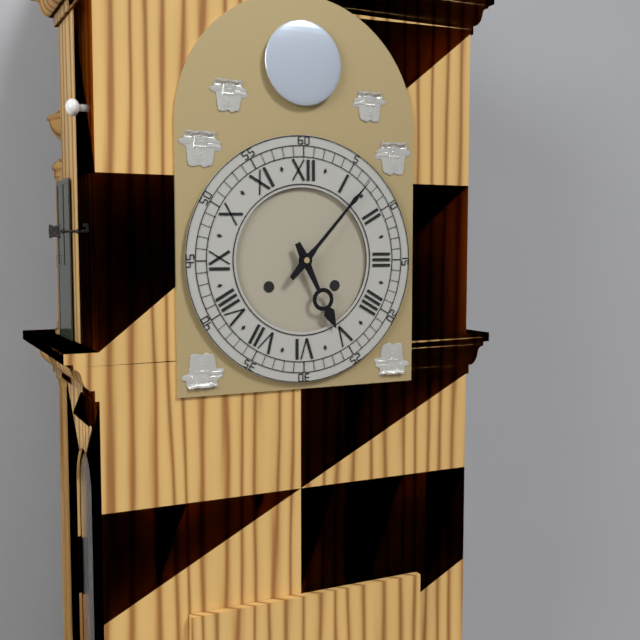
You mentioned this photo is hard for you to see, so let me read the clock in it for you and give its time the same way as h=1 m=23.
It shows h=5 m=7
